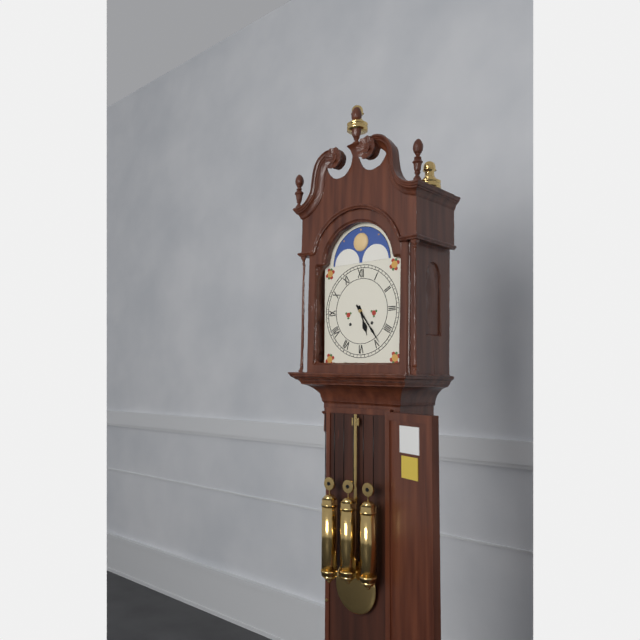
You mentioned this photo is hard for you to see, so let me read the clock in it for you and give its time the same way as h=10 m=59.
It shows h=5 m=24
